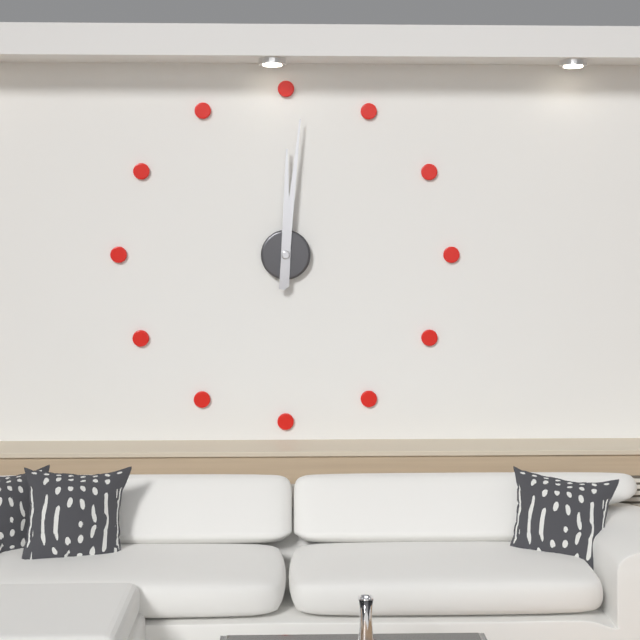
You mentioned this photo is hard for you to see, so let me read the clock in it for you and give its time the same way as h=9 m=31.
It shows h=12 m=1
